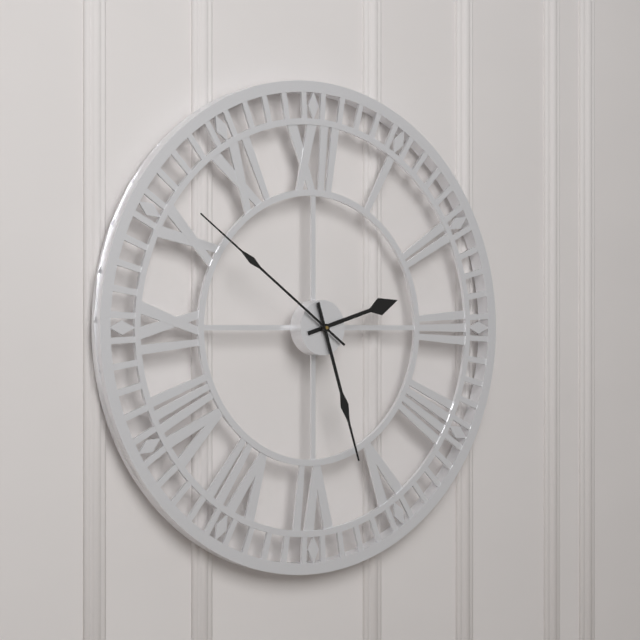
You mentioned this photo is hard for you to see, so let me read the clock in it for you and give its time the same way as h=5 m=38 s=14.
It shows h=2 m=27 s=51
